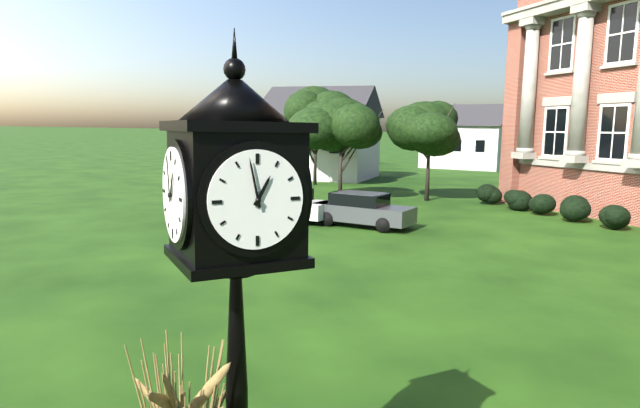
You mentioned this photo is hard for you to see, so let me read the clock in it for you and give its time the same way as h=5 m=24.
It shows h=12 m=58
